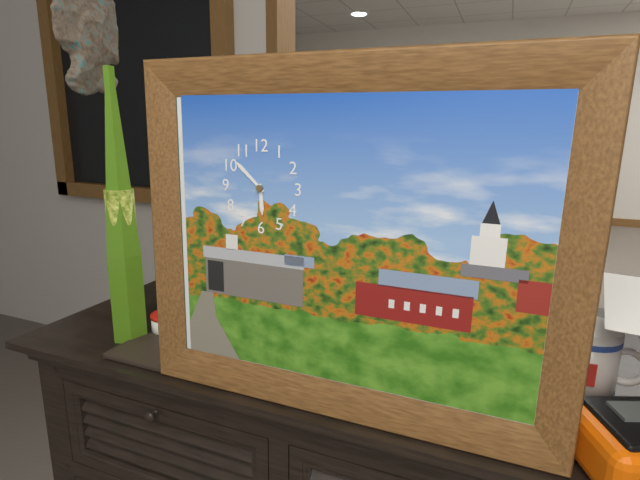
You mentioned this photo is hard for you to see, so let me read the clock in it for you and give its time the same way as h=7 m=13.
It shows h=5 m=52
